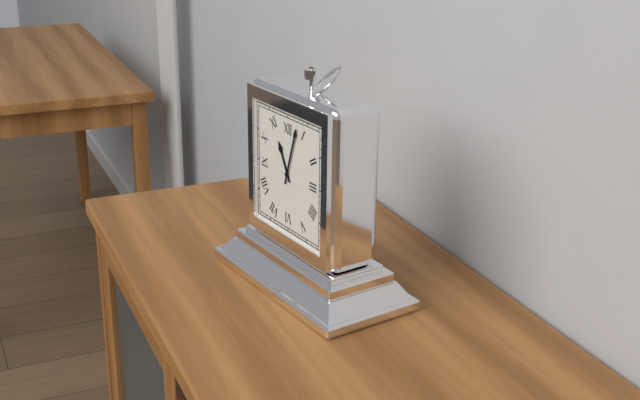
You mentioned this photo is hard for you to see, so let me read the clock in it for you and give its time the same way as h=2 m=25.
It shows h=11 m=3
